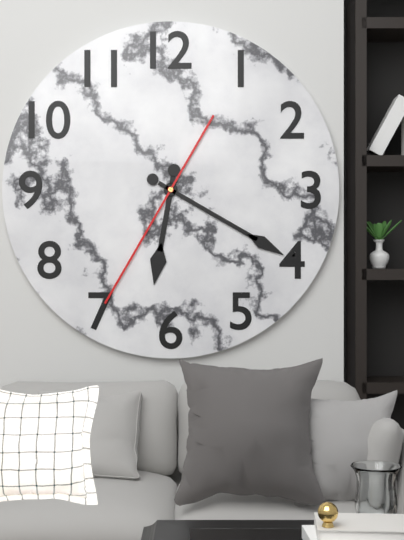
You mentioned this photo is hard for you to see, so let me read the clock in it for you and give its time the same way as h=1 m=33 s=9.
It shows h=6 m=20 s=35
